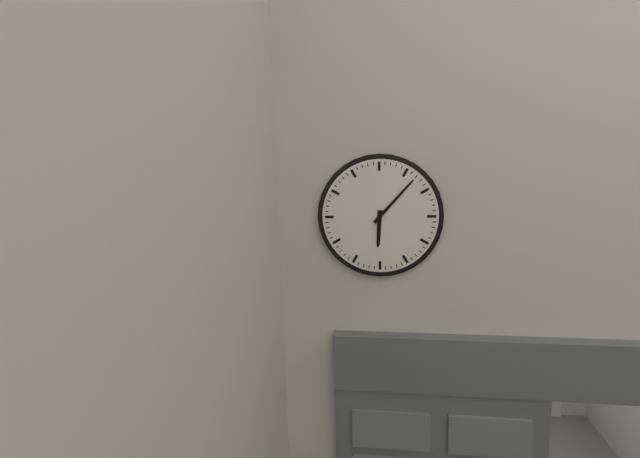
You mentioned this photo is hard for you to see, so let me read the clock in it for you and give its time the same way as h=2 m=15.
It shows h=6 m=7
